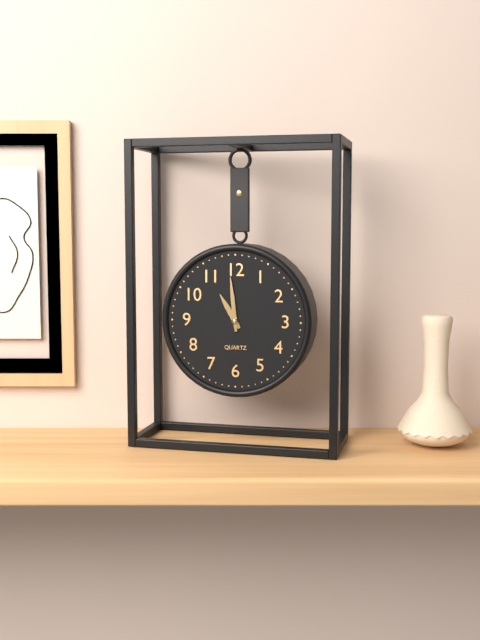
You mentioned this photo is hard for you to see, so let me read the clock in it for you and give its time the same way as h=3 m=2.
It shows h=10 m=59
